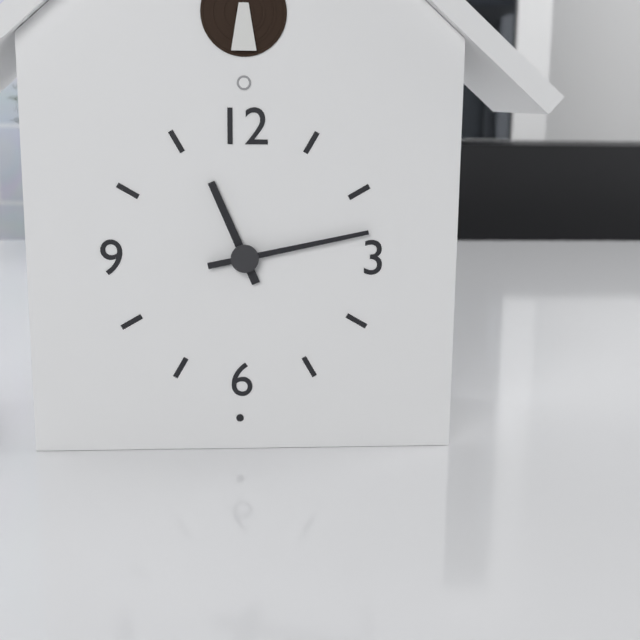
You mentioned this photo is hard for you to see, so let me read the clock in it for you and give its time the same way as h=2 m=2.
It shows h=11 m=13
